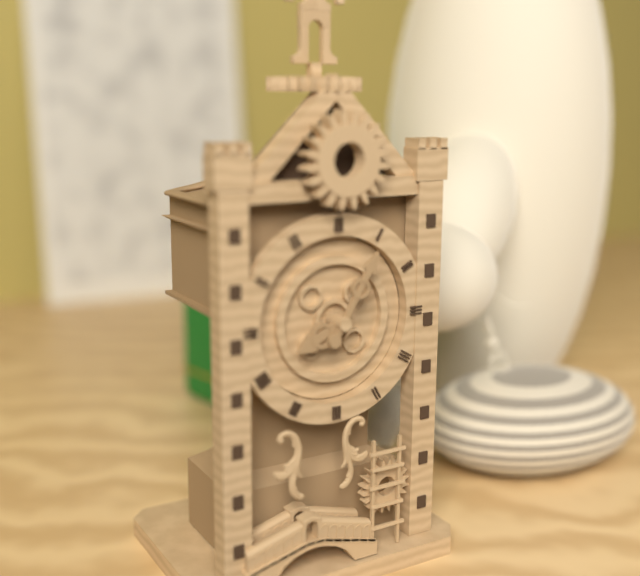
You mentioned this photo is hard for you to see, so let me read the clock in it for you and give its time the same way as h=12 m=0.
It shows h=8 m=5
